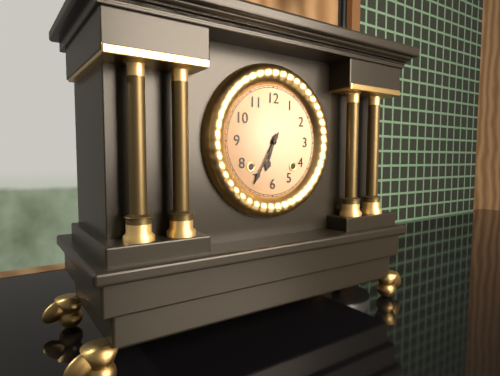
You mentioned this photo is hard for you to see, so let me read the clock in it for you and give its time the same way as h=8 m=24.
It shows h=6 m=35
